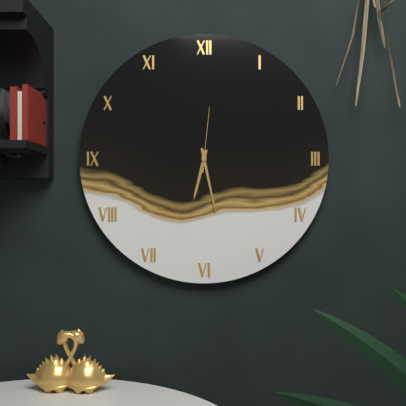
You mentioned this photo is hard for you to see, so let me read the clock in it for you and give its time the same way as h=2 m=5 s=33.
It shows h=6 m=28 s=1
